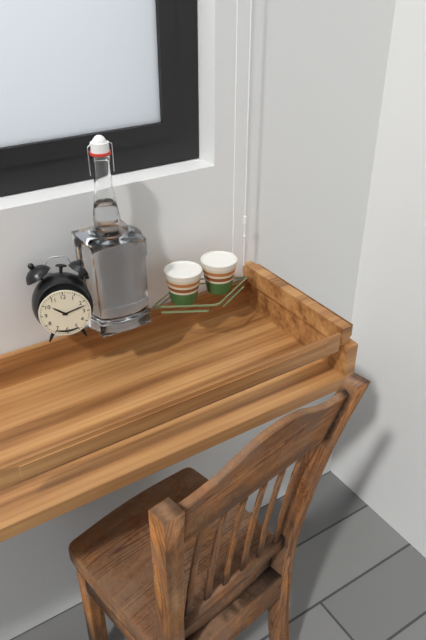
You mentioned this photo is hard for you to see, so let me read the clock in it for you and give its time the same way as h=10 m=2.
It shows h=10 m=12
